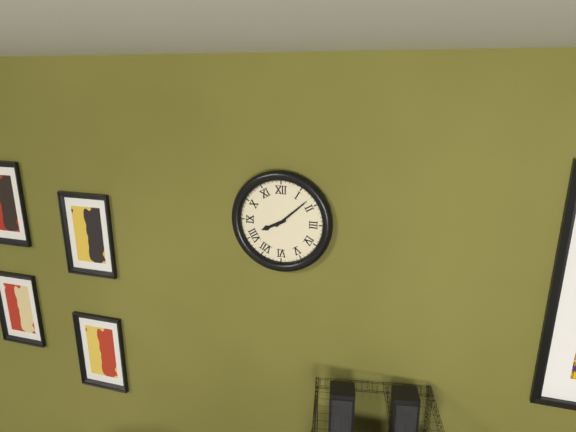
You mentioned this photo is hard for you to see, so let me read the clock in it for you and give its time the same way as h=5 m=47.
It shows h=8 m=8
